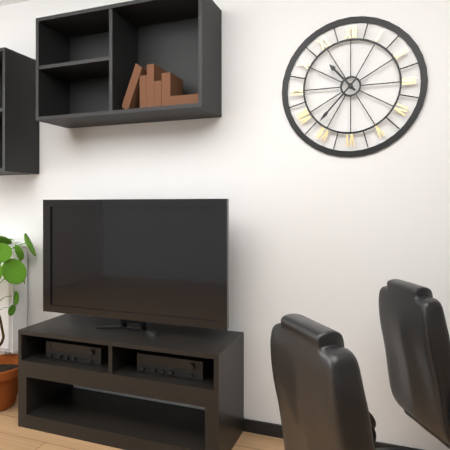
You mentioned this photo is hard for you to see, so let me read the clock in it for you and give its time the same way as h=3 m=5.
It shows h=10 m=37
